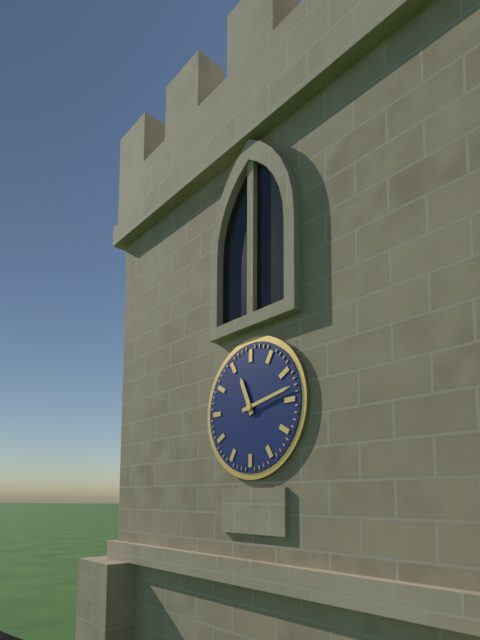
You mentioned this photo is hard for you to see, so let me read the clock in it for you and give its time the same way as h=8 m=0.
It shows h=11 m=13
